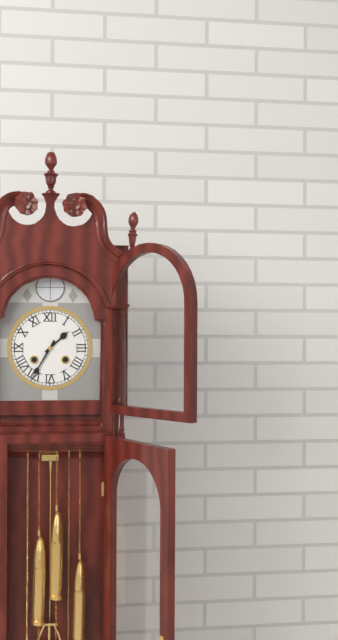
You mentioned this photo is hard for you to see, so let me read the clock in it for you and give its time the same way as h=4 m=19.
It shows h=1 m=35
